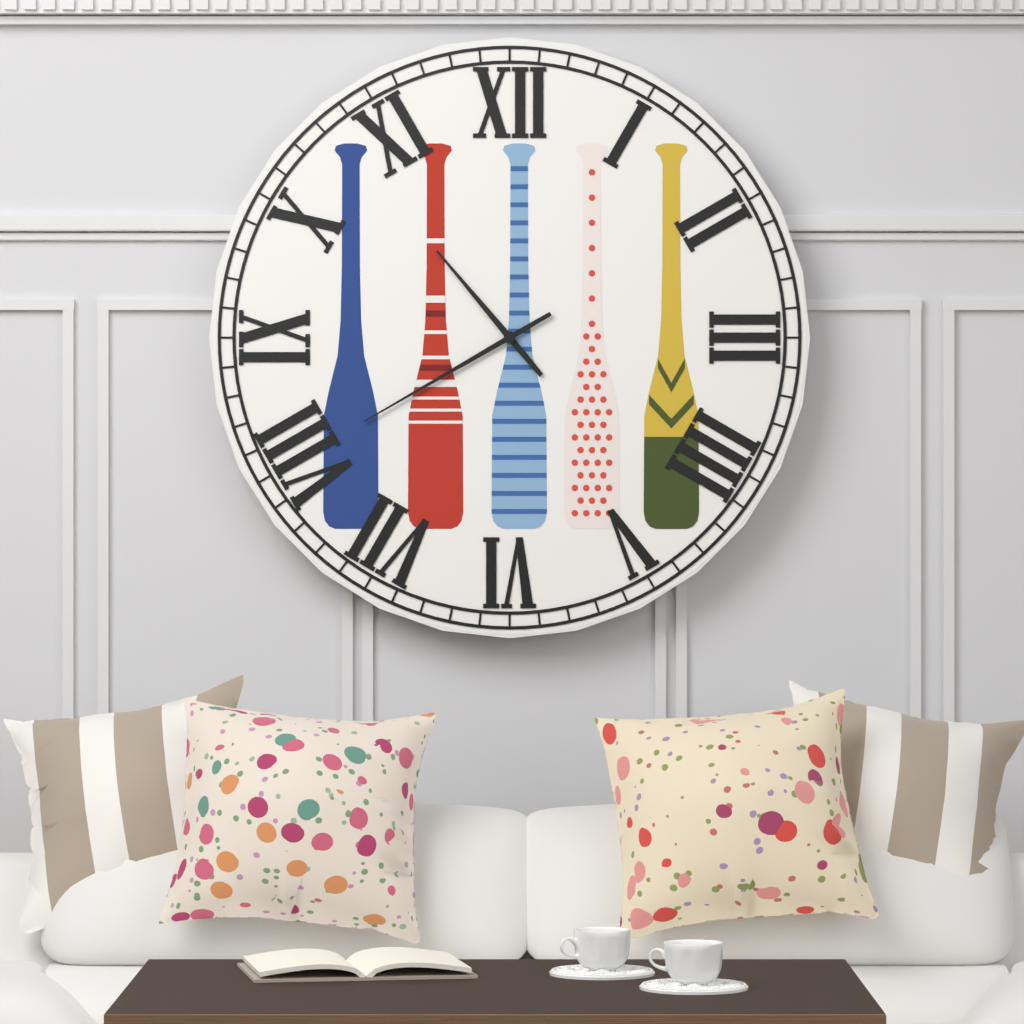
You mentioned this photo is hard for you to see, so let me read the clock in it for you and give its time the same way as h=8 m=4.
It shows h=10 m=40
